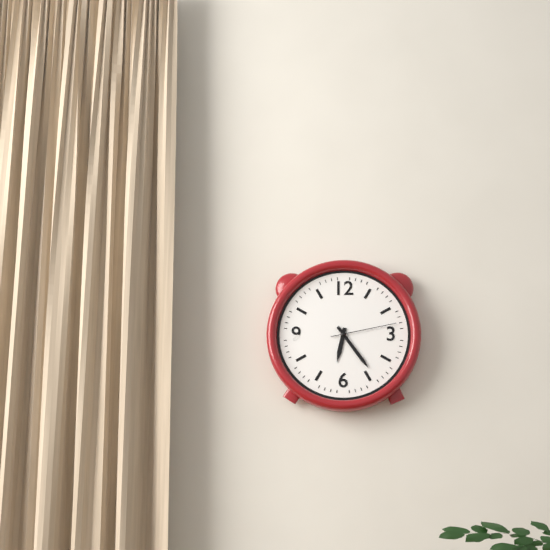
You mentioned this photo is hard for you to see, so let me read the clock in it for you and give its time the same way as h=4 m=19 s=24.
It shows h=6 m=24 s=13
